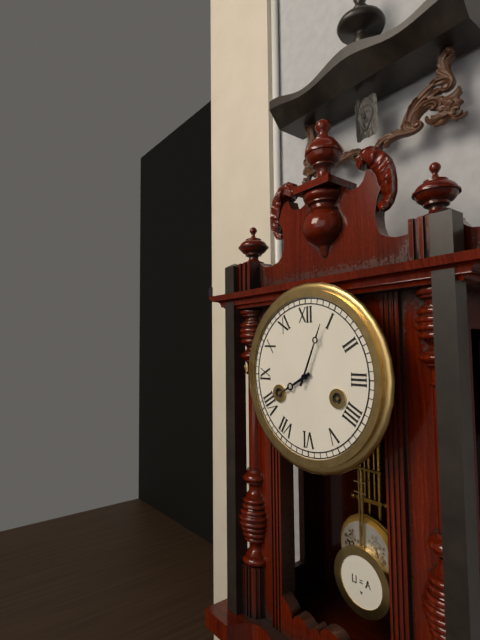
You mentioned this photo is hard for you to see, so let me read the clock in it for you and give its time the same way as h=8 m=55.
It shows h=8 m=4
